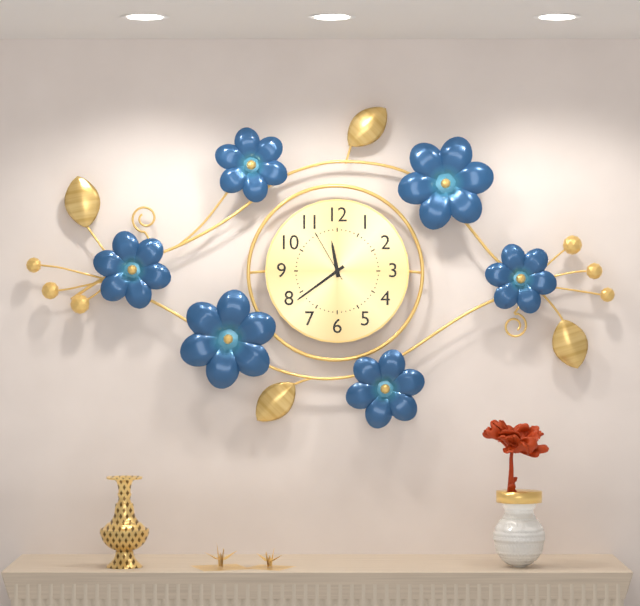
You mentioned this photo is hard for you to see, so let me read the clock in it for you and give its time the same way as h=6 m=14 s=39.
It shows h=11 m=39 s=55
